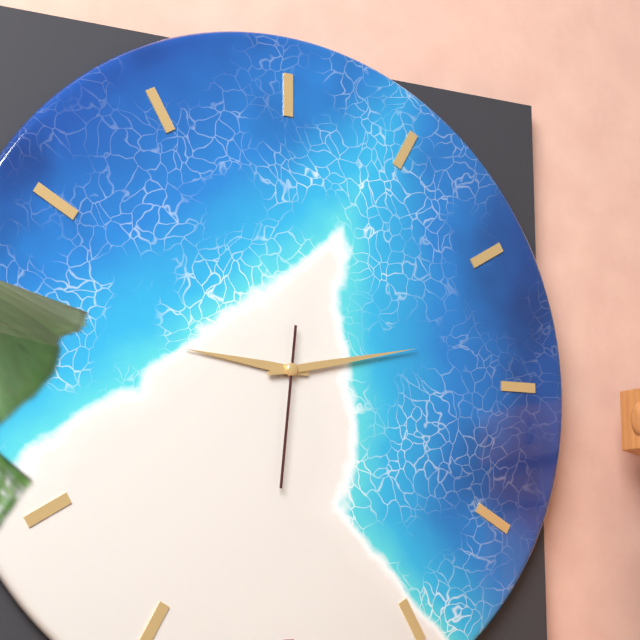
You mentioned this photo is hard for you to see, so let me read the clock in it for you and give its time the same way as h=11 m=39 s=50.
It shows h=9 m=13 s=31
